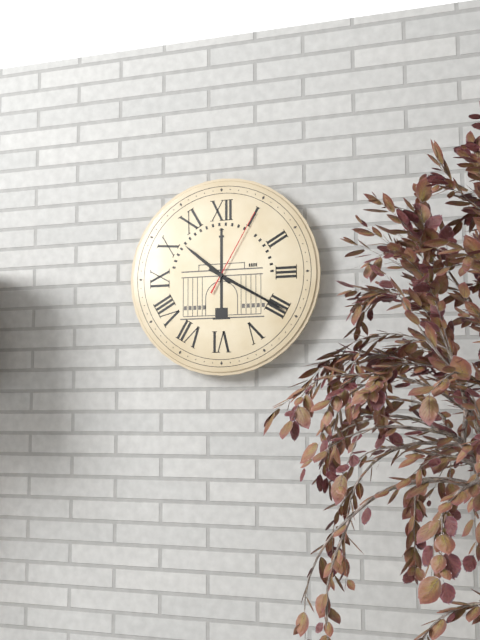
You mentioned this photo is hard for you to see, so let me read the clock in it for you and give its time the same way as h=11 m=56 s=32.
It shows h=10 m=20 s=5
